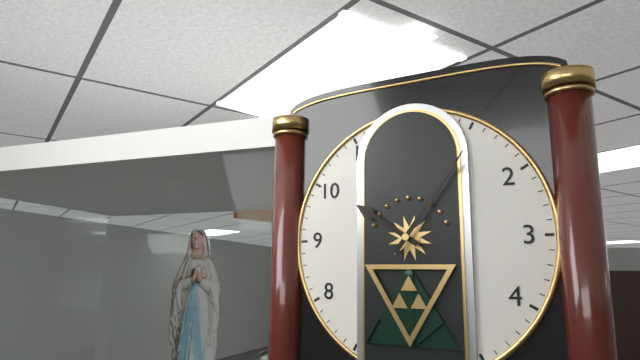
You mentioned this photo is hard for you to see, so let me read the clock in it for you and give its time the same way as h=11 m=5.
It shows h=10 m=6
